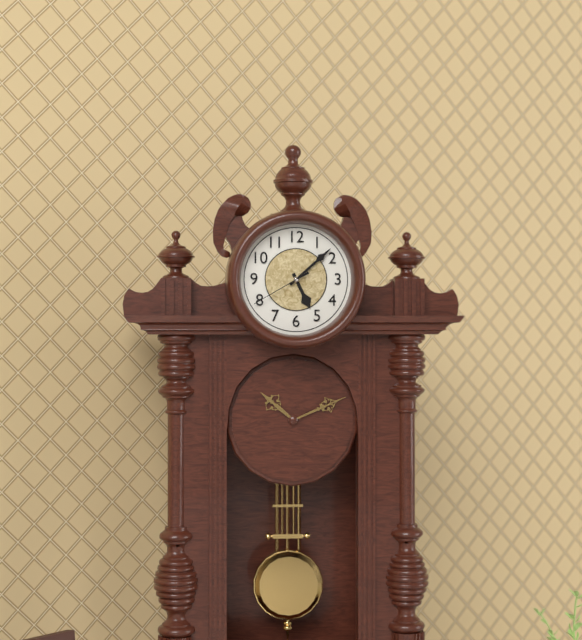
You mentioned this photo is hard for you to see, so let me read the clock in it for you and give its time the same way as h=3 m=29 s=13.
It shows h=5 m=8 s=40
